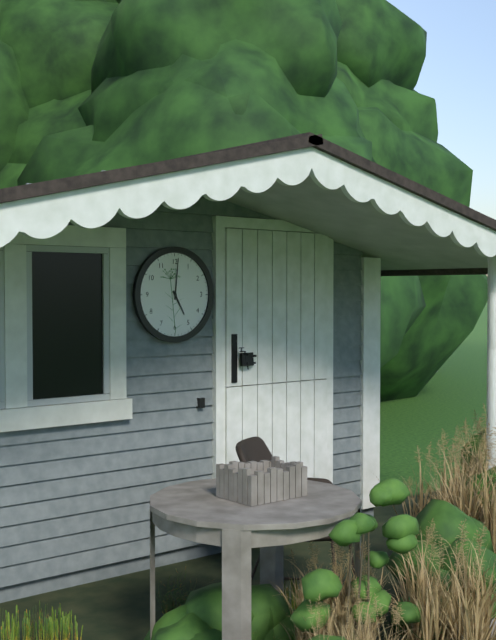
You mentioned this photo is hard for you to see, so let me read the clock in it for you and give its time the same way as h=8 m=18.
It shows h=5 m=1
